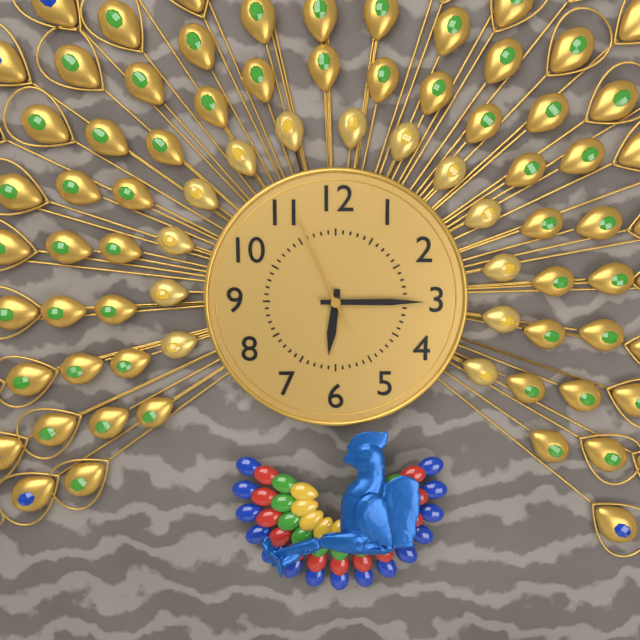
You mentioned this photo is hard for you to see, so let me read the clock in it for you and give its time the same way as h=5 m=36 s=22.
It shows h=6 m=15 s=56
